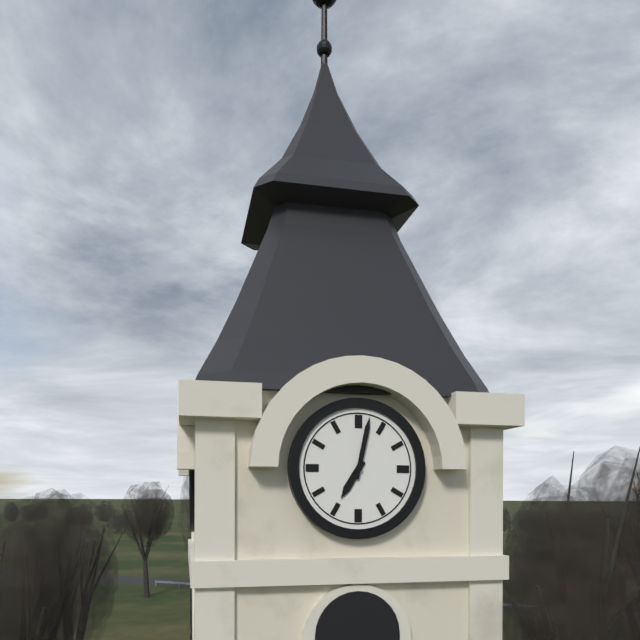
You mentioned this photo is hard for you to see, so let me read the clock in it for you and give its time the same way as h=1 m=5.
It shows h=7 m=2
